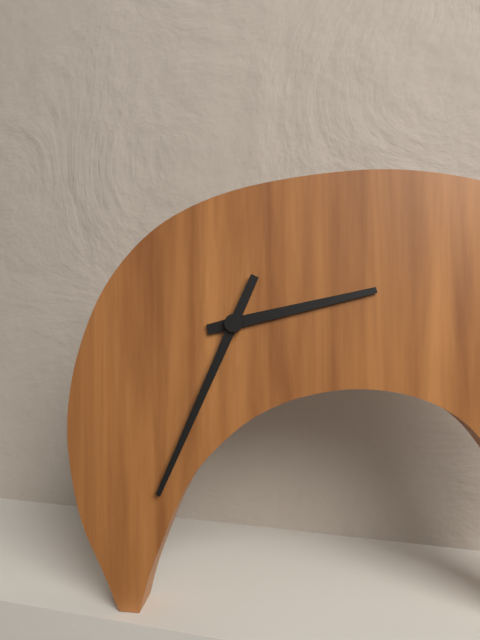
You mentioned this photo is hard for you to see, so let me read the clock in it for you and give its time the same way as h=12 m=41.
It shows h=2 m=34
